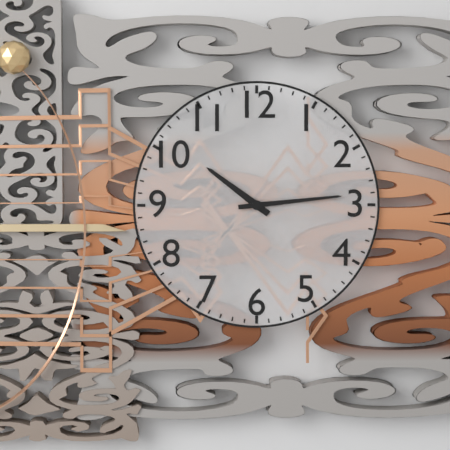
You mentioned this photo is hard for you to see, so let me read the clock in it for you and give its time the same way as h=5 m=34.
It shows h=10 m=14
